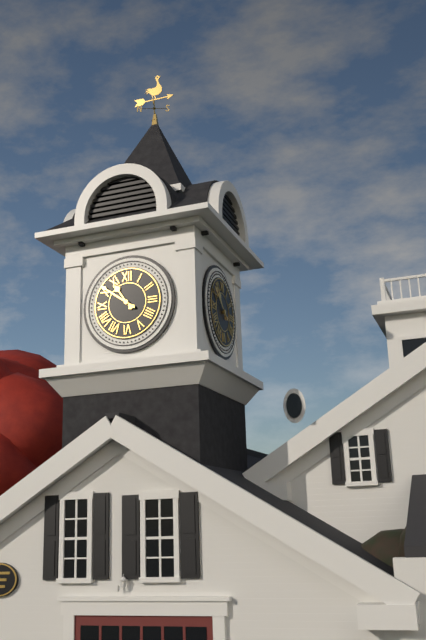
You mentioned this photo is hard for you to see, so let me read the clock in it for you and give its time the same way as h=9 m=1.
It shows h=10 m=51
